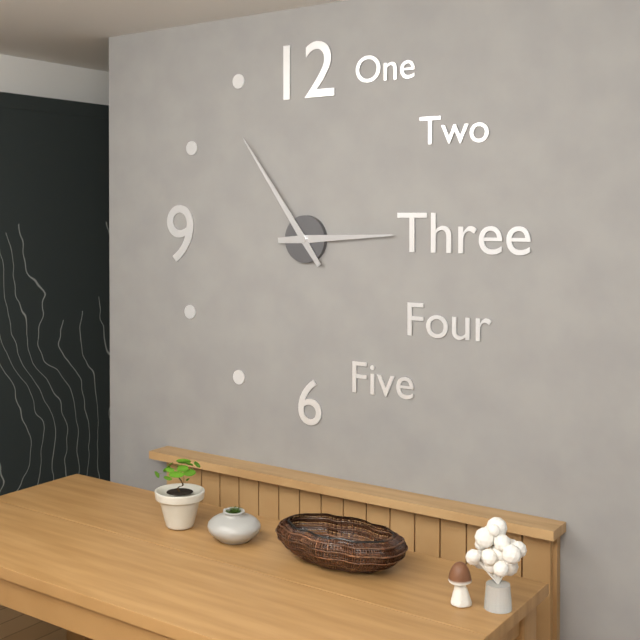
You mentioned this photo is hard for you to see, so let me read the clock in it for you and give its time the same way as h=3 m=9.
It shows h=2 m=54
